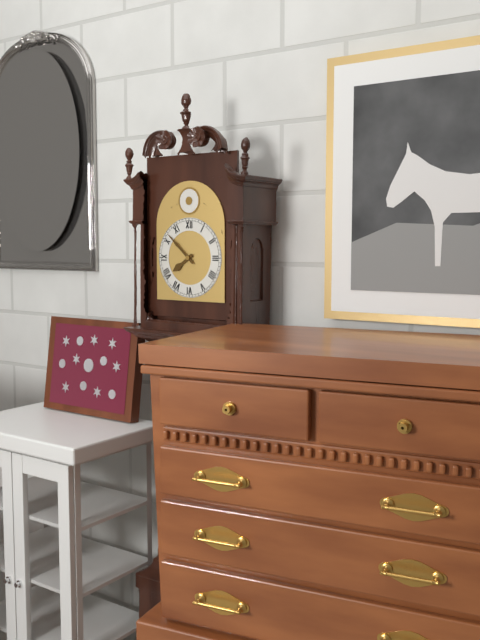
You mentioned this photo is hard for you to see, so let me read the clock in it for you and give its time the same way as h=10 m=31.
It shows h=7 m=52
